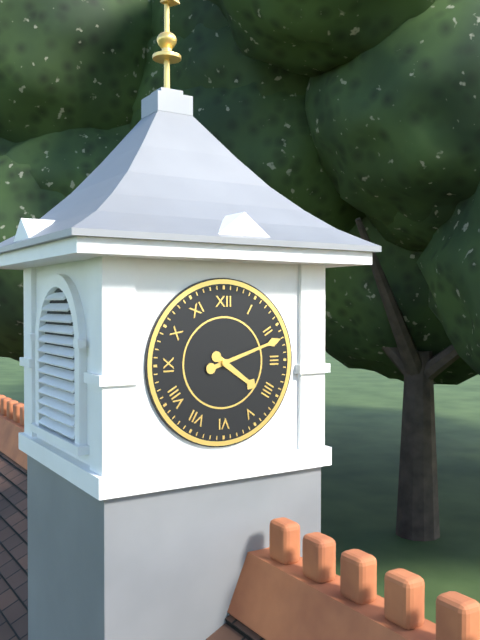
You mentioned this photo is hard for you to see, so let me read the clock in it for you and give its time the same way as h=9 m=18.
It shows h=4 m=12
